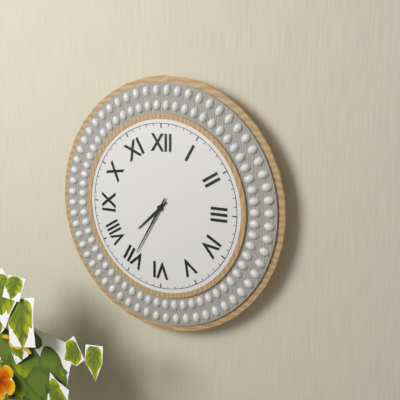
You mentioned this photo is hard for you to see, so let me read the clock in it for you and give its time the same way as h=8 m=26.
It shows h=7 m=35
